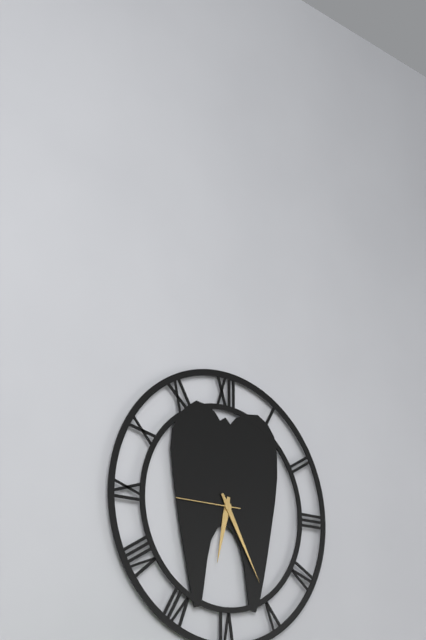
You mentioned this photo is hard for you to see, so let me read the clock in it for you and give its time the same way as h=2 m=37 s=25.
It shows h=6 m=25 s=45
